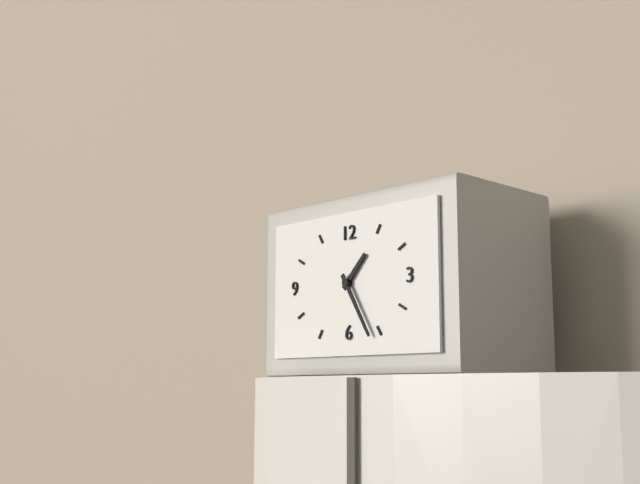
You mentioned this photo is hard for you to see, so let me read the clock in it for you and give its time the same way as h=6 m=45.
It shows h=1 m=25
